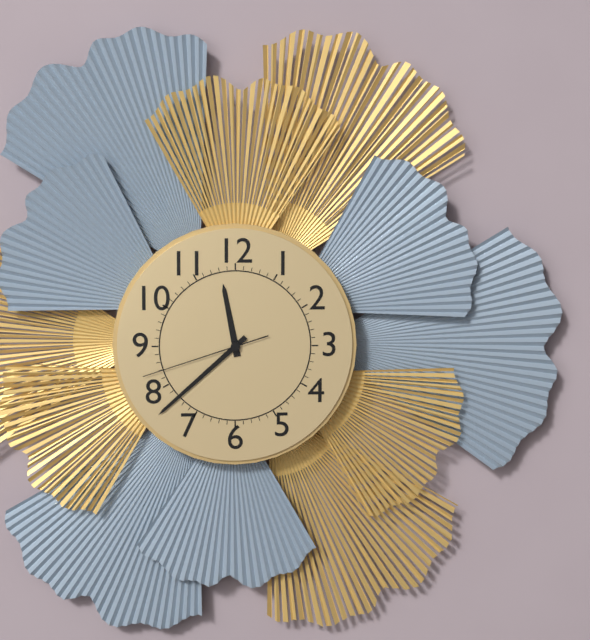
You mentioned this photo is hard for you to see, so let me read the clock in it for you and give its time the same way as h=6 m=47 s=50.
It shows h=11 m=38 s=42
